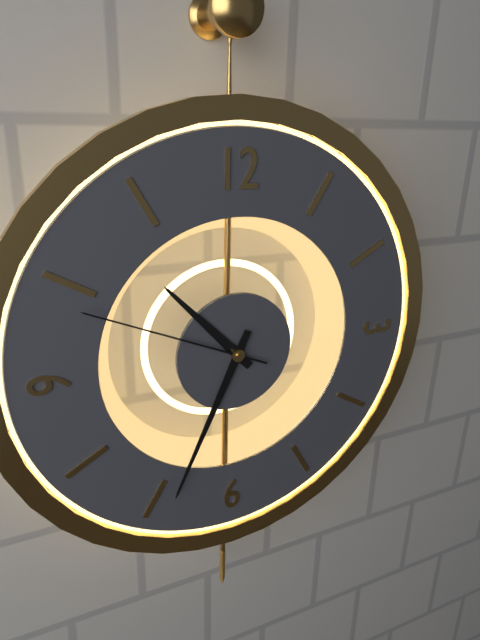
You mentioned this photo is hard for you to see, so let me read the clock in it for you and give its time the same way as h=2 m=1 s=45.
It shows h=10 m=34 s=49
